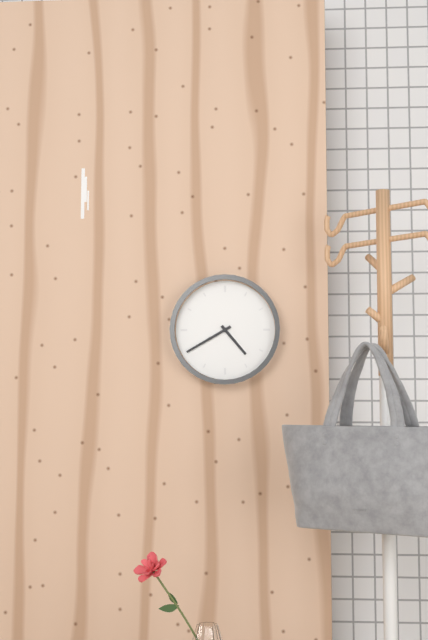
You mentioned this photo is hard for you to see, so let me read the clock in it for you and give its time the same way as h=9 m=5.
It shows h=4 m=40
